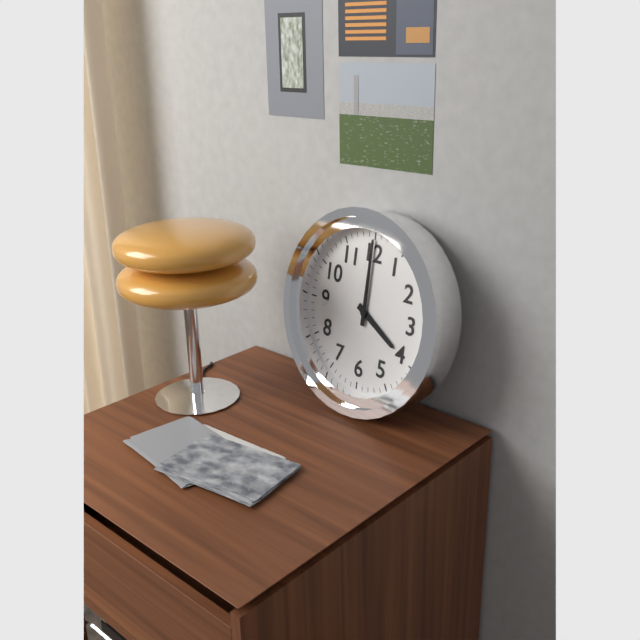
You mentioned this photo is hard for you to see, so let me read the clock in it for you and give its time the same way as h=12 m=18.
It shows h=4 m=0
